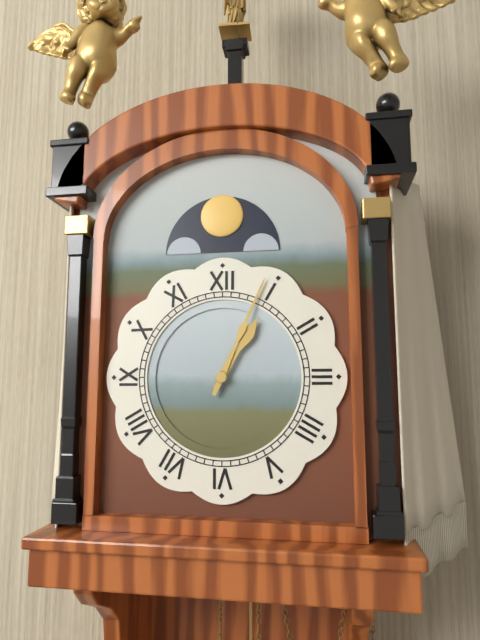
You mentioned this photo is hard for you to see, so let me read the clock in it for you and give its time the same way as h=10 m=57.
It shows h=1 m=4
